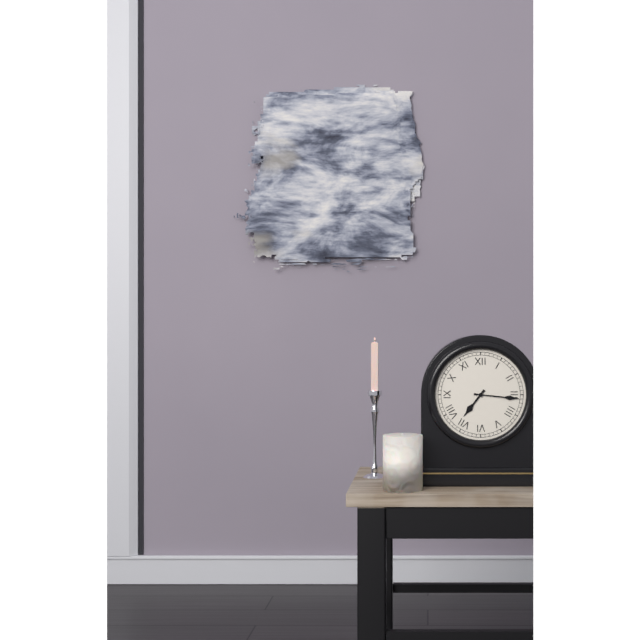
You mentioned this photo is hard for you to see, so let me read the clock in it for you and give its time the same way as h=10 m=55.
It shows h=7 m=16
